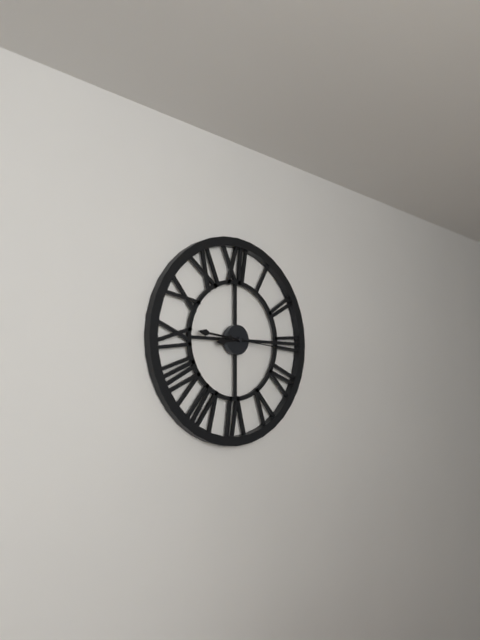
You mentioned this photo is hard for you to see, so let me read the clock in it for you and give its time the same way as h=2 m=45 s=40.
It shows h=8 m=46 s=16
